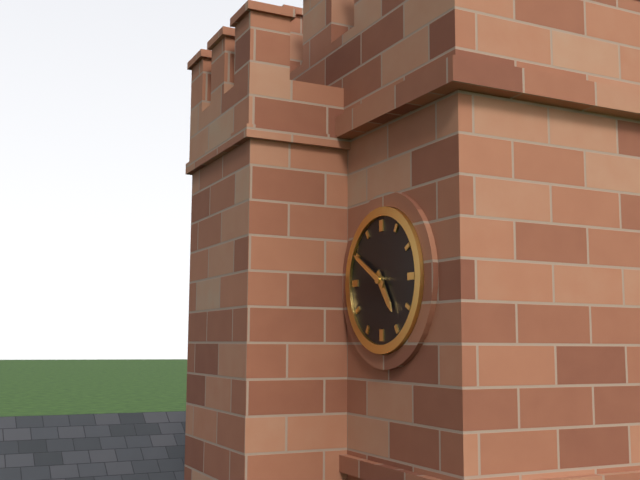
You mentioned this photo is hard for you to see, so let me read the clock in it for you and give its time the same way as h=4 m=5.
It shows h=4 m=50
